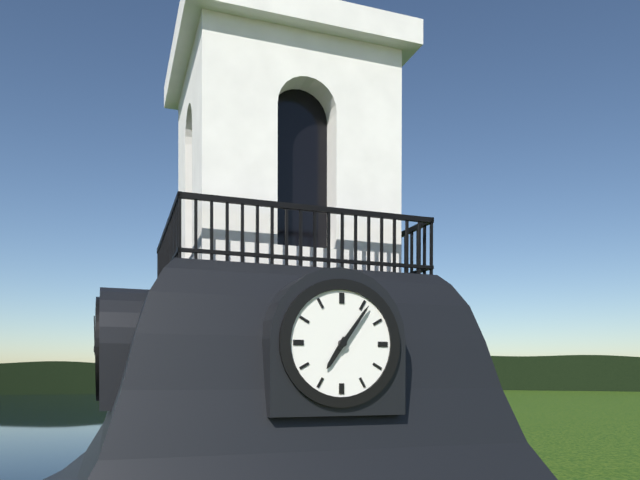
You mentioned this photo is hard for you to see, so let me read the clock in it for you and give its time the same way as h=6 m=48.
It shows h=7 m=6
